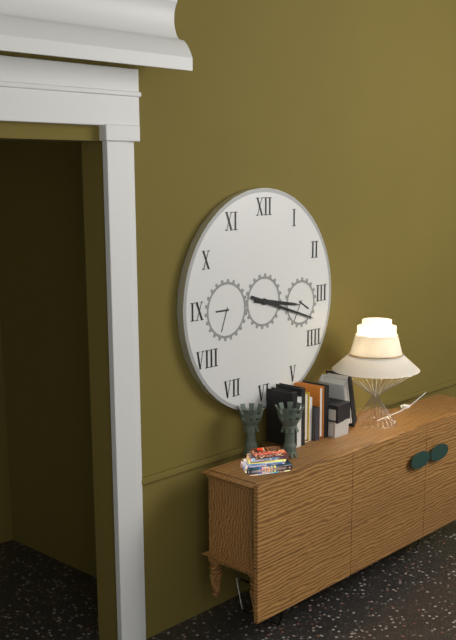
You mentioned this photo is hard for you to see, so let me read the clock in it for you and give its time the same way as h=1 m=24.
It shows h=3 m=18
